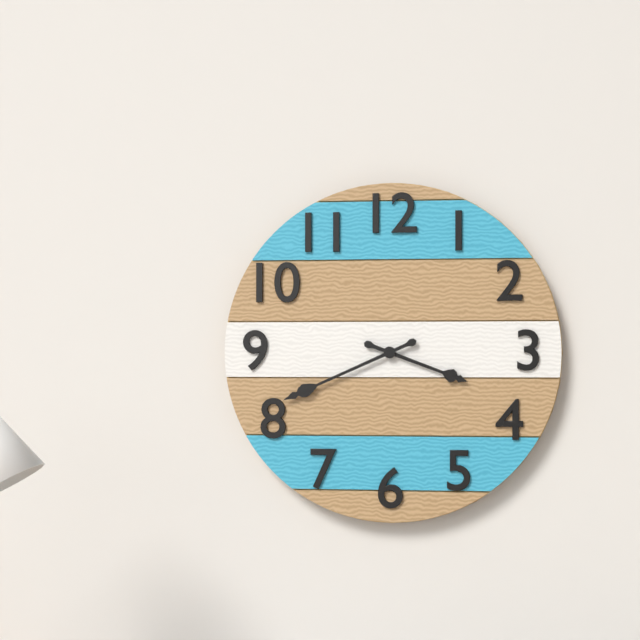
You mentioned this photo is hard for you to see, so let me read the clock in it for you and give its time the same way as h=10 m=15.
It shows h=3 m=41
